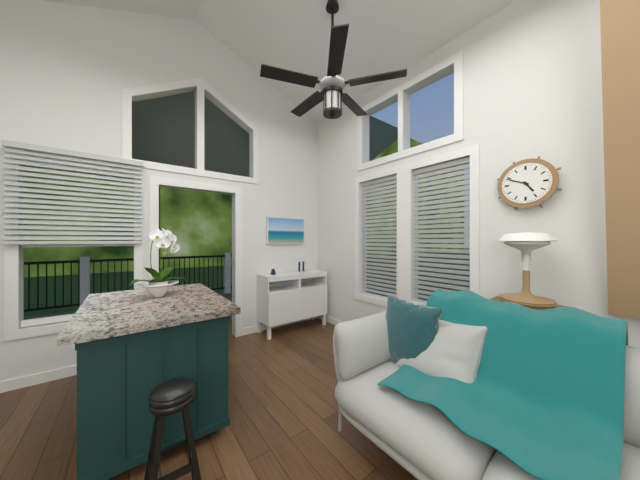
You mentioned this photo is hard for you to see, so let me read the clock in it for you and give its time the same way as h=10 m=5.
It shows h=4 m=49
